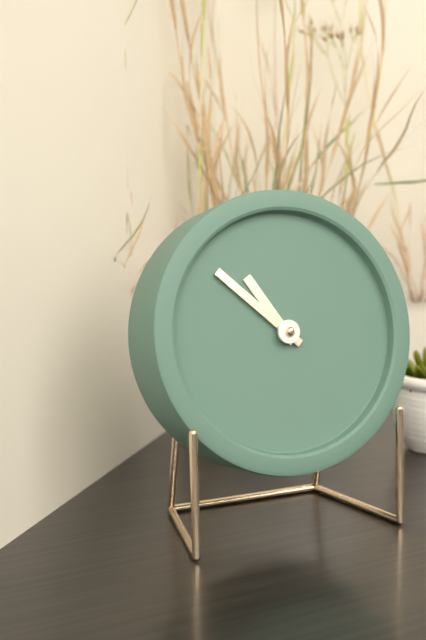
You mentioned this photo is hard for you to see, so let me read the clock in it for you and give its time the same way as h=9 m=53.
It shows h=10 m=52
